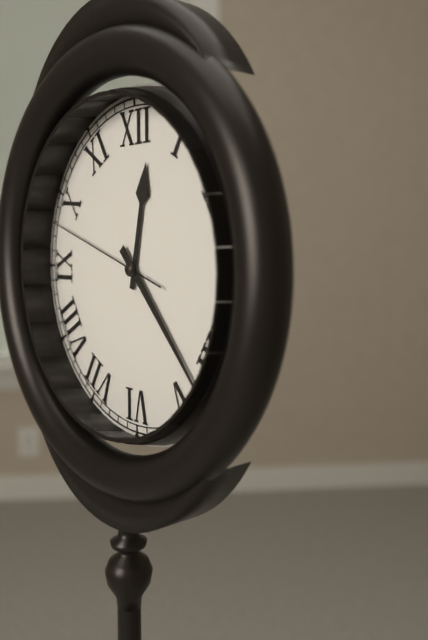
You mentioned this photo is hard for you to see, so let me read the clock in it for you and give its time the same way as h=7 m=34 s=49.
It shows h=12 m=23 s=48
